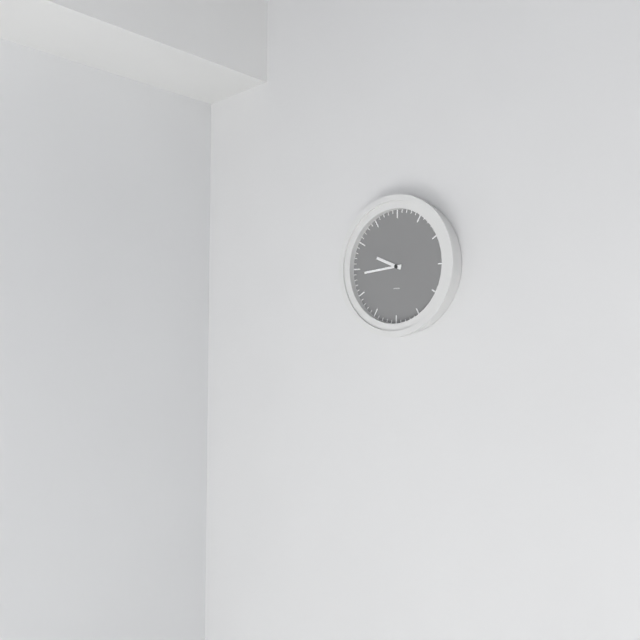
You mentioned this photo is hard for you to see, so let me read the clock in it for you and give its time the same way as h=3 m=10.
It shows h=9 m=44
